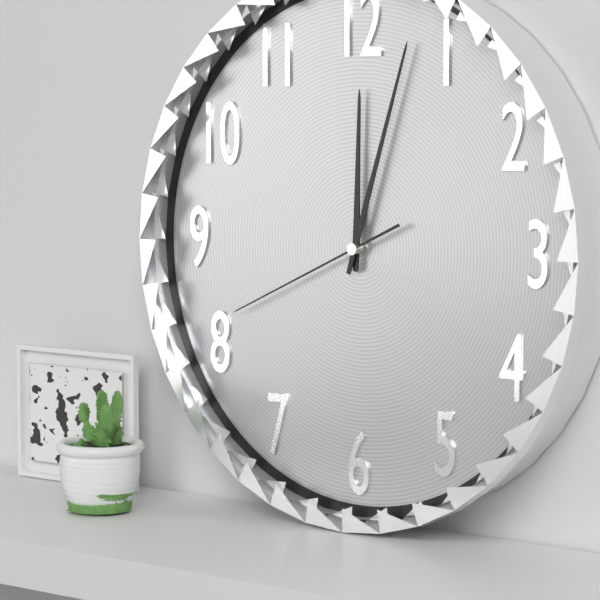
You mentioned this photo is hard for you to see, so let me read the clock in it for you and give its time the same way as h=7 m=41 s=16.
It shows h=12 m=3 s=41
